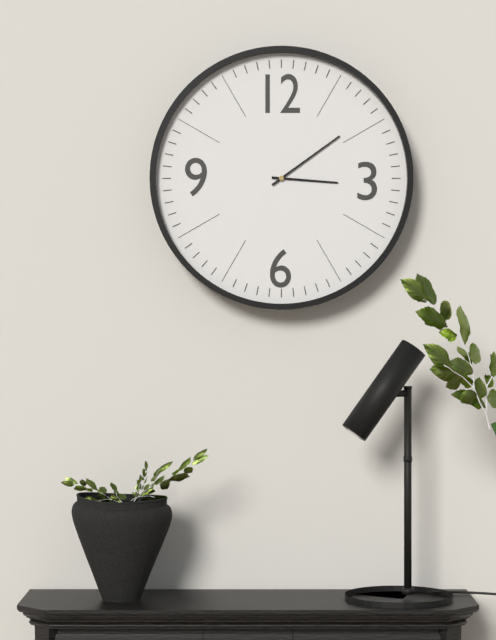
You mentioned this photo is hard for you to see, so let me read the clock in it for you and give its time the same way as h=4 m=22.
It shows h=3 m=9
